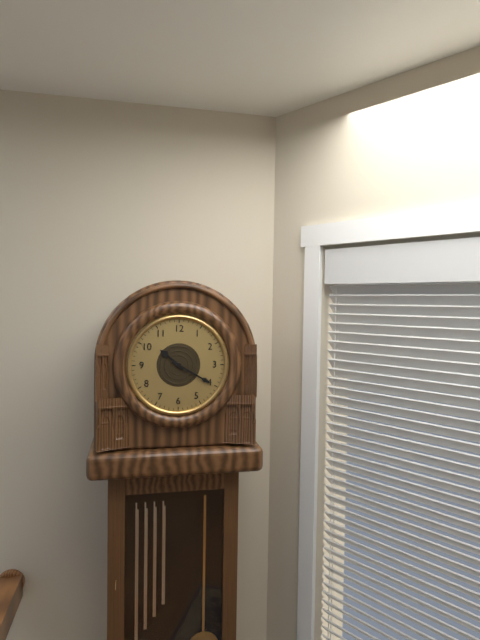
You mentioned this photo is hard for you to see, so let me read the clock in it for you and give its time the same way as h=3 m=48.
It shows h=10 m=20
